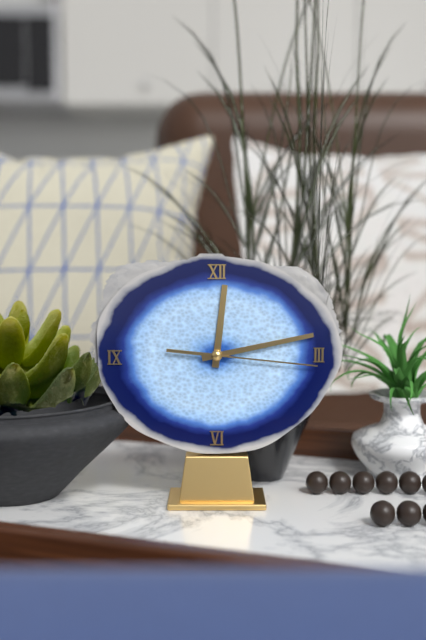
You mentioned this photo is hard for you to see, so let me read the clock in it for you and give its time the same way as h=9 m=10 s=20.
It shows h=12 m=13 s=16
